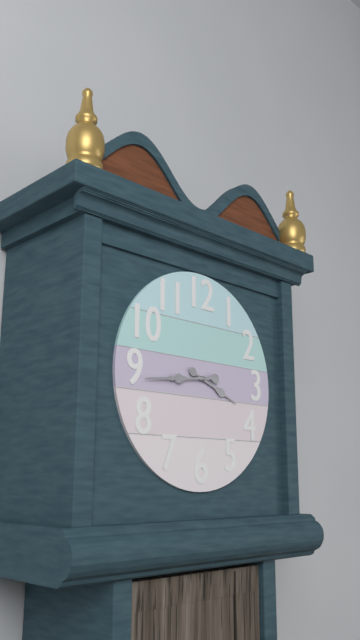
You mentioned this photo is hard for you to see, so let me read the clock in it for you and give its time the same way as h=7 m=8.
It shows h=3 m=44
